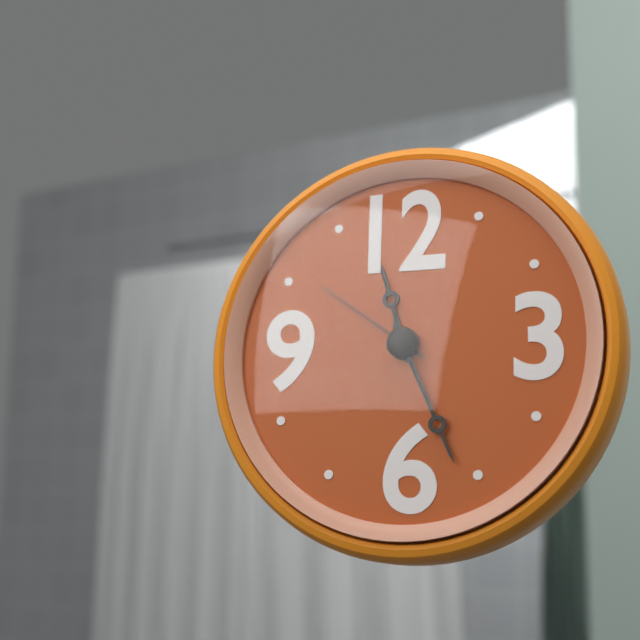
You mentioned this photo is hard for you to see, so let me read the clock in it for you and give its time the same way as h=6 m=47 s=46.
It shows h=11 m=26 s=51
